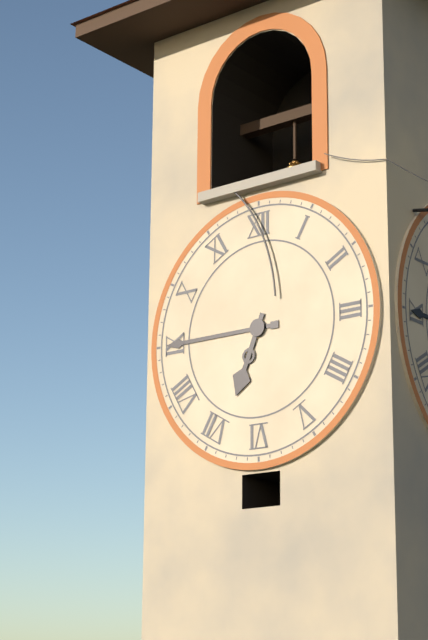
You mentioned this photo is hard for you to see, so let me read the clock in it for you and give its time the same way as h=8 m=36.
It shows h=6 m=45
